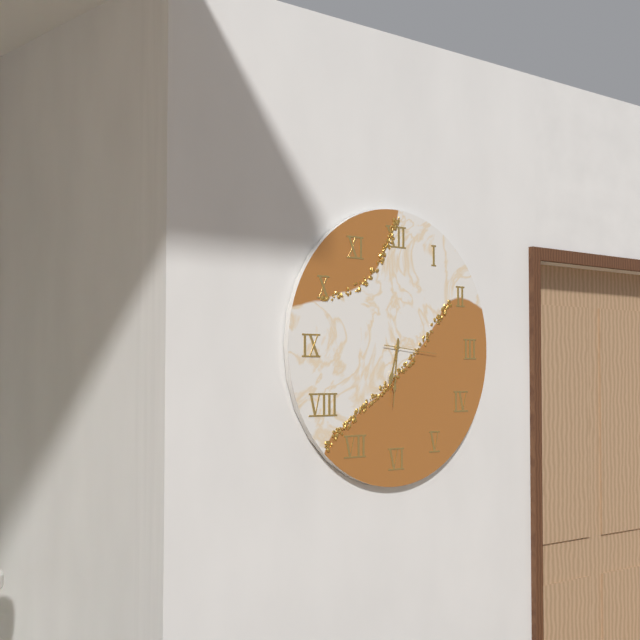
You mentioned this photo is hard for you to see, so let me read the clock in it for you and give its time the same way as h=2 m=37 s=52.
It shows h=6 m=31 s=16
